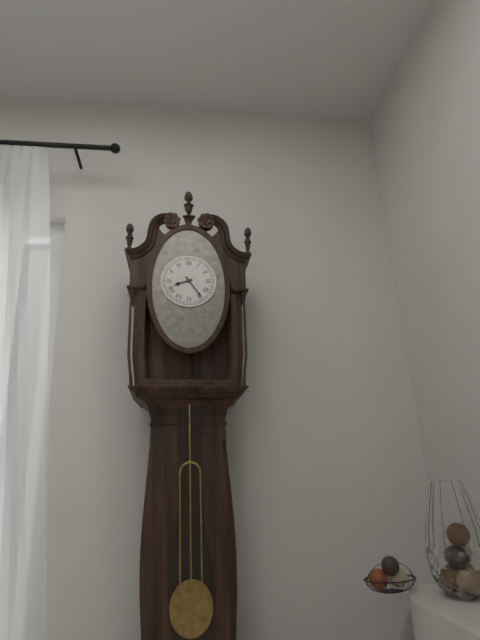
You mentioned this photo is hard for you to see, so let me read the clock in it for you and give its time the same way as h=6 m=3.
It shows h=8 m=24
